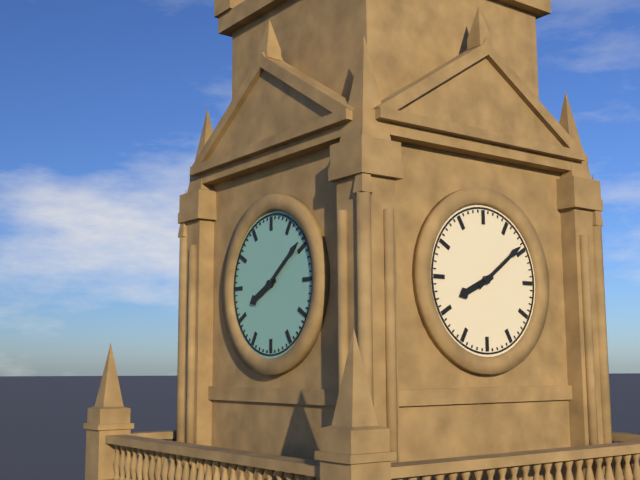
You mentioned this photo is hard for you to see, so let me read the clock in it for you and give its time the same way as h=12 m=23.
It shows h=8 m=9
